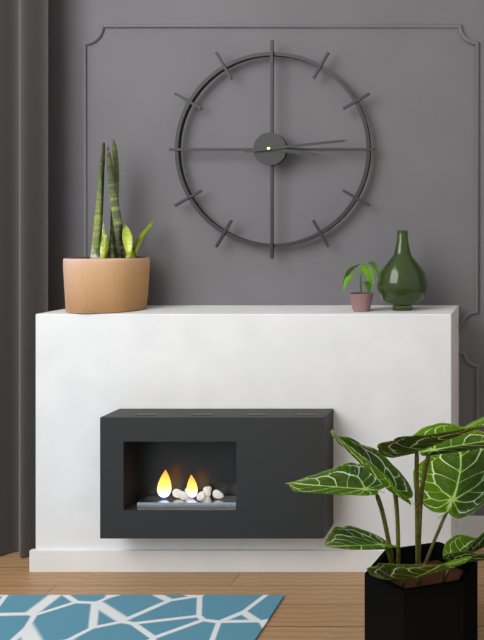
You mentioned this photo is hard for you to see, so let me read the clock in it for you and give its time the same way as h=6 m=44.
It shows h=3 m=14
